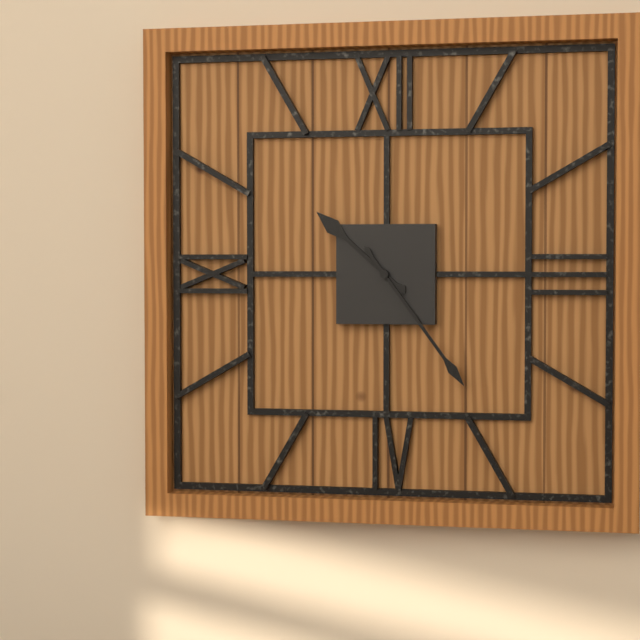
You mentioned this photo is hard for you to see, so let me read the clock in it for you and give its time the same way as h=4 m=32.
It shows h=10 m=24
